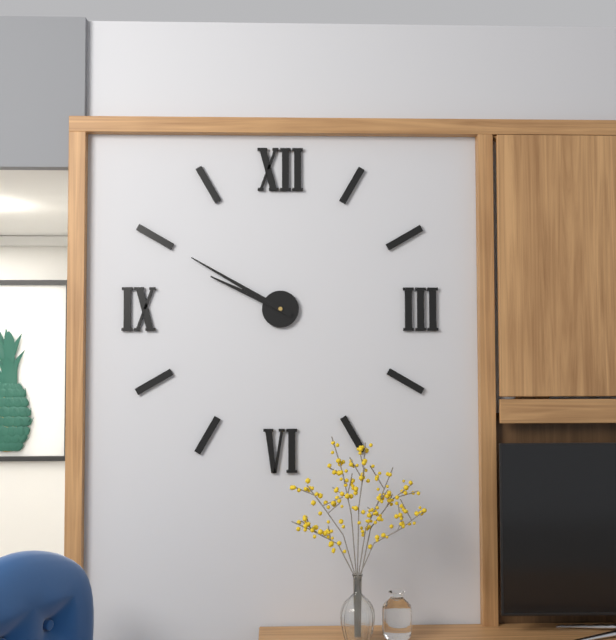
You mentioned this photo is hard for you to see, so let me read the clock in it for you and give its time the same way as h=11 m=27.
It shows h=9 m=50
